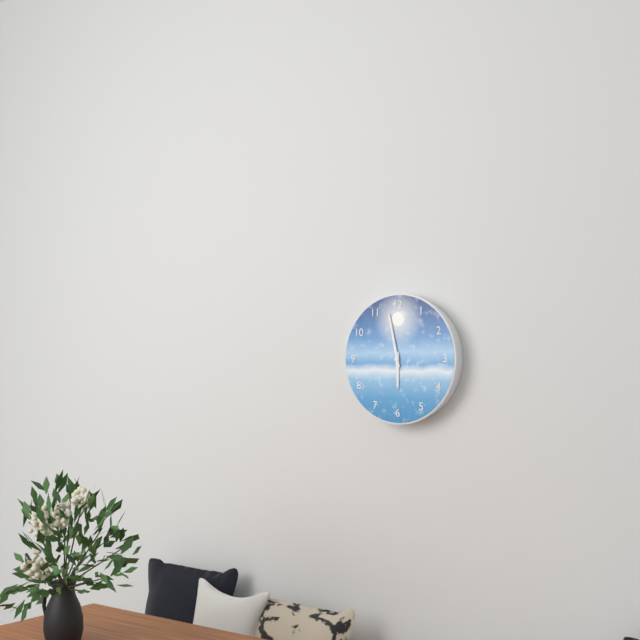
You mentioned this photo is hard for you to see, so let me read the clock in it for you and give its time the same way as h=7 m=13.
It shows h=5 m=58
